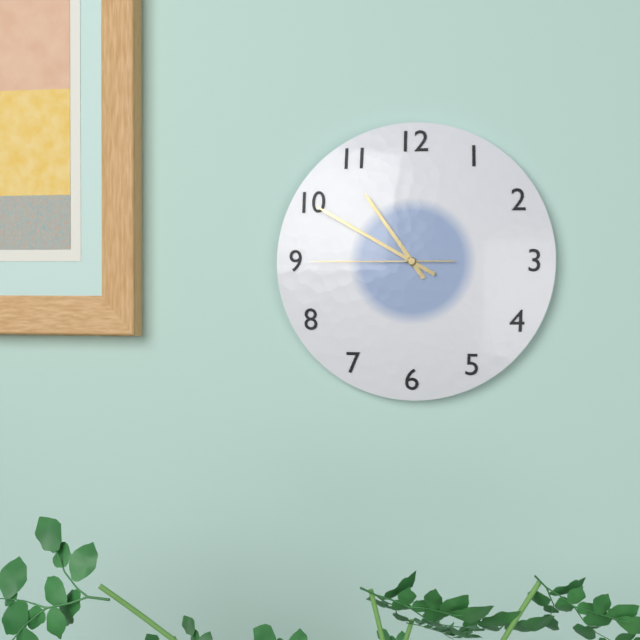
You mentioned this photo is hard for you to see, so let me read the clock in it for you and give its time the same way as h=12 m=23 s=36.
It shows h=10 m=50 s=45
